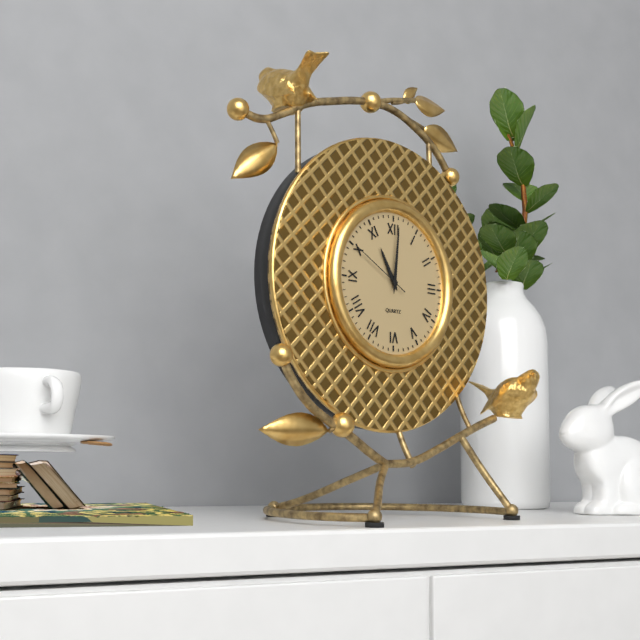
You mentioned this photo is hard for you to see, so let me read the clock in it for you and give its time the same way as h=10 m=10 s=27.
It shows h=11 m=1 s=50
